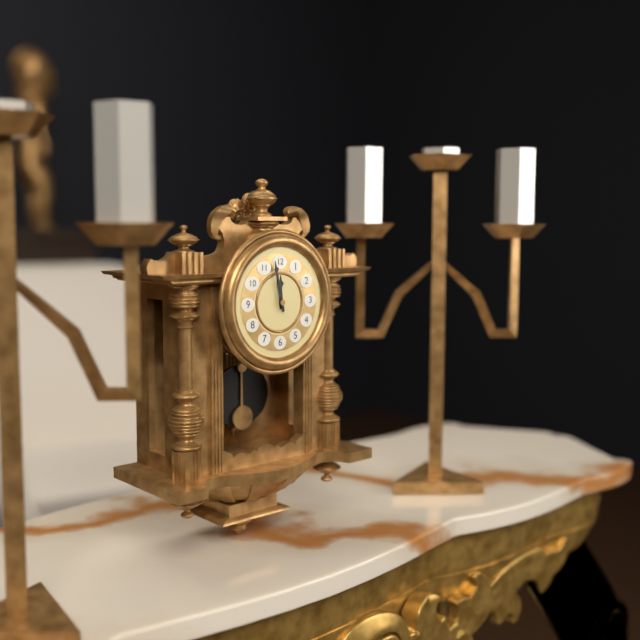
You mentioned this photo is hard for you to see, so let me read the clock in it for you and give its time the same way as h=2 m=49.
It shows h=11 m=58
